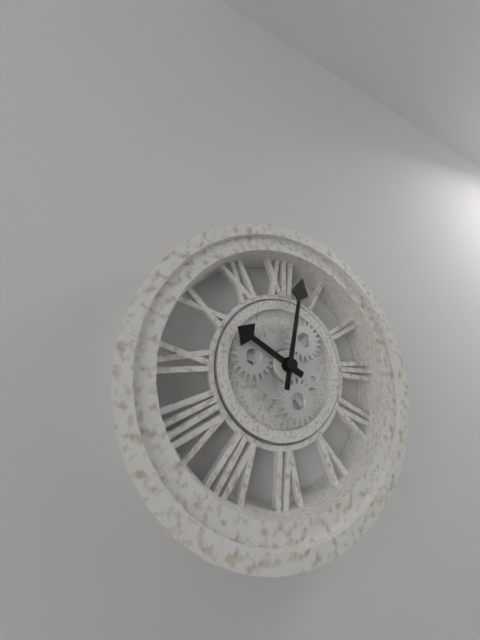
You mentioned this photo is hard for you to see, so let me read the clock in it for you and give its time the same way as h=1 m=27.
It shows h=10 m=2
